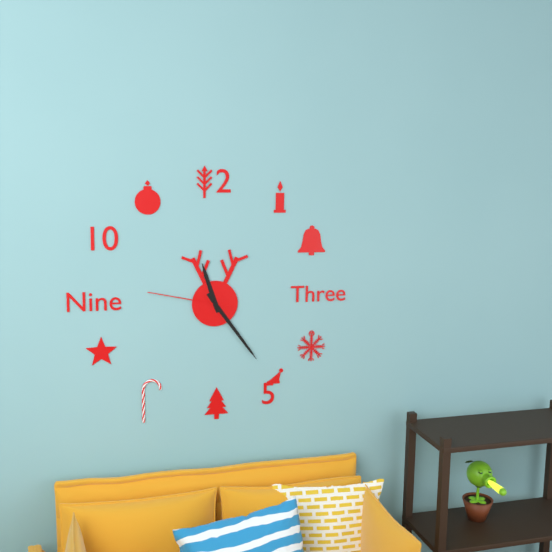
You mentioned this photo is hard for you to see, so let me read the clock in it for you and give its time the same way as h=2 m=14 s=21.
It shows h=11 m=24 s=47
